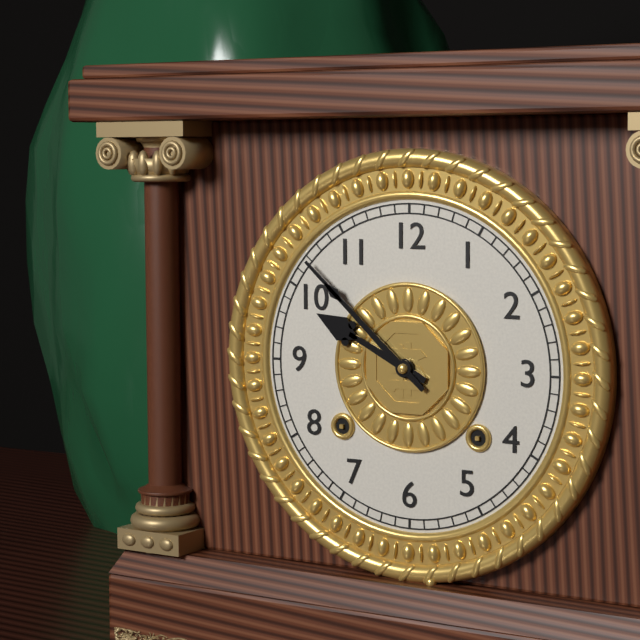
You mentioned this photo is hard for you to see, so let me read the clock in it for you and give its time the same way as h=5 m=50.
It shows h=9 m=52
